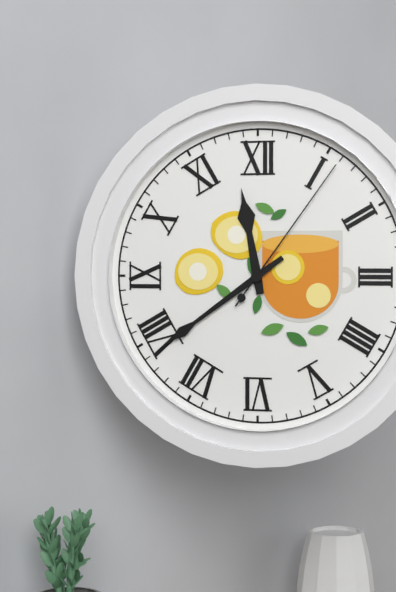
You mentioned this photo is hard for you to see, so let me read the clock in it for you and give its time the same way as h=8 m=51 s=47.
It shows h=11 m=39 s=6
